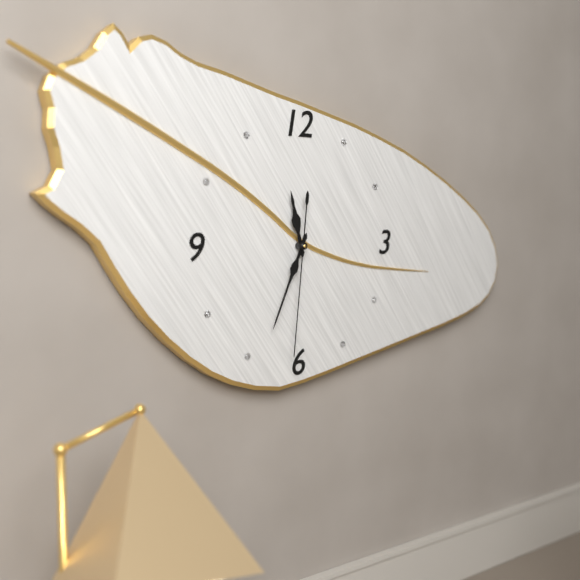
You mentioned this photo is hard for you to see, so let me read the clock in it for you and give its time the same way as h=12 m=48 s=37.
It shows h=11 m=34 s=31
